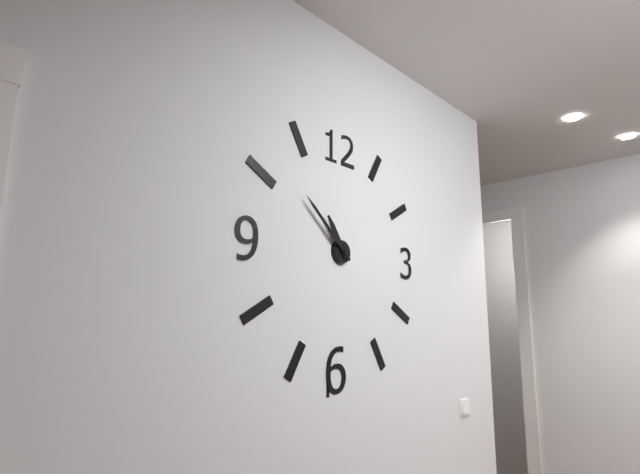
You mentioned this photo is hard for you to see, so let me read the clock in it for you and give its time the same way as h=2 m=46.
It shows h=10 m=52
